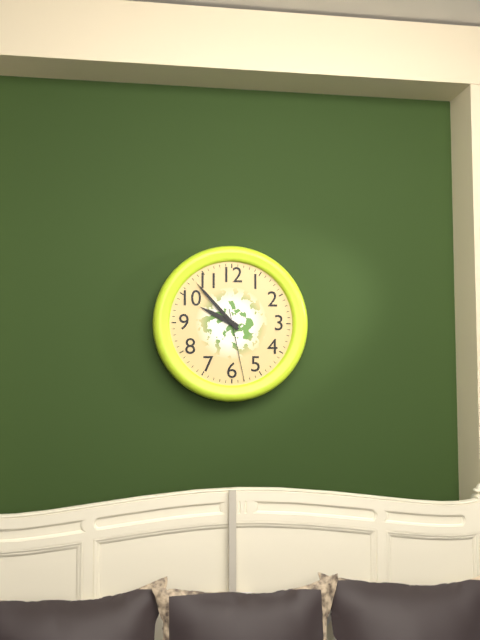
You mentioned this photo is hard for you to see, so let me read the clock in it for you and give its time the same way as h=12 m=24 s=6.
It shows h=9 m=53 s=28
